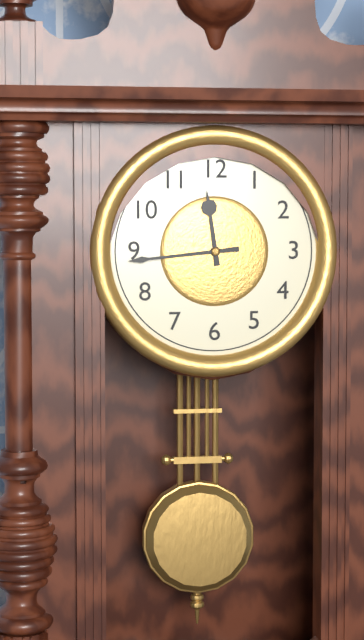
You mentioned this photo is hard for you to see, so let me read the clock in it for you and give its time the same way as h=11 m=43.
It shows h=11 m=44
